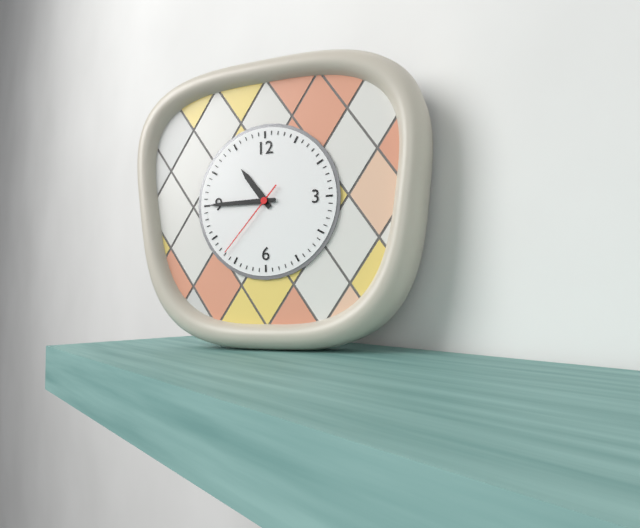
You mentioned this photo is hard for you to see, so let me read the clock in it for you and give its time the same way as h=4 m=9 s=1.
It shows h=10 m=45 s=37
